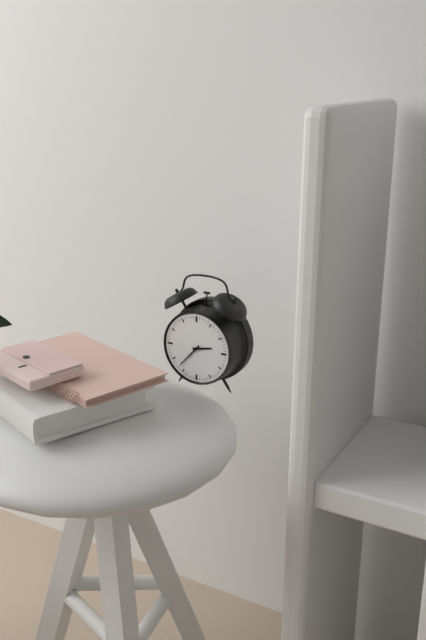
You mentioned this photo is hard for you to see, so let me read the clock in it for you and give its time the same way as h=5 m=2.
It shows h=2 m=37
